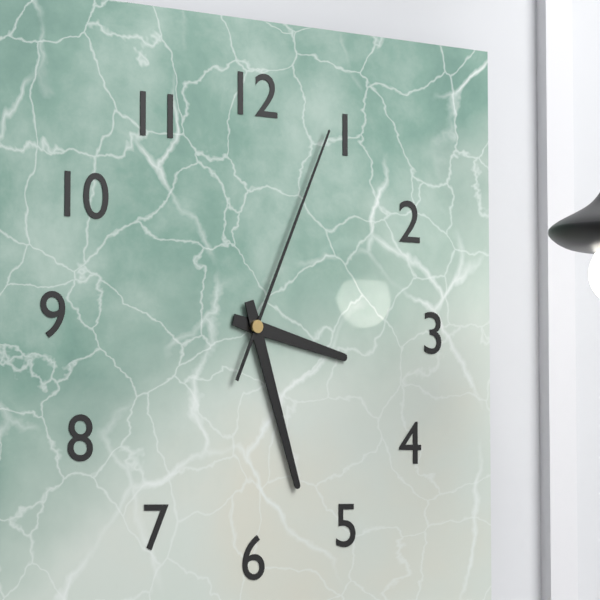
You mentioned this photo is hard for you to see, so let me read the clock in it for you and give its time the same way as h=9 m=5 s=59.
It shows h=3 m=27 s=4
